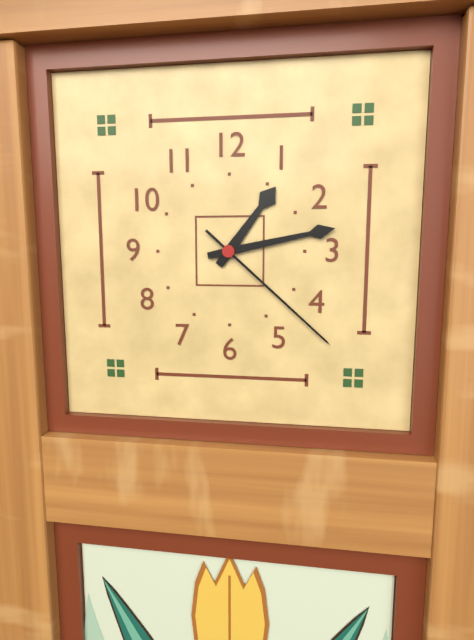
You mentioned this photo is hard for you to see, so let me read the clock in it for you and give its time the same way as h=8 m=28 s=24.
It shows h=1 m=13 s=22
